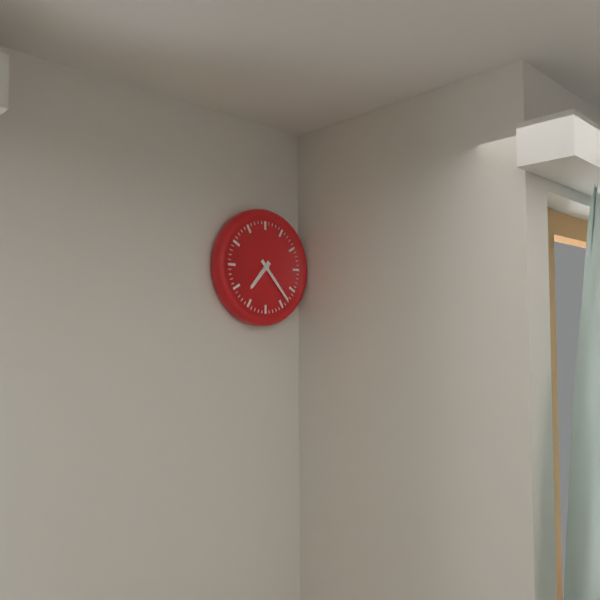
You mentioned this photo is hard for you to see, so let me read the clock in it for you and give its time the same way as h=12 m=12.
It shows h=7 m=23
